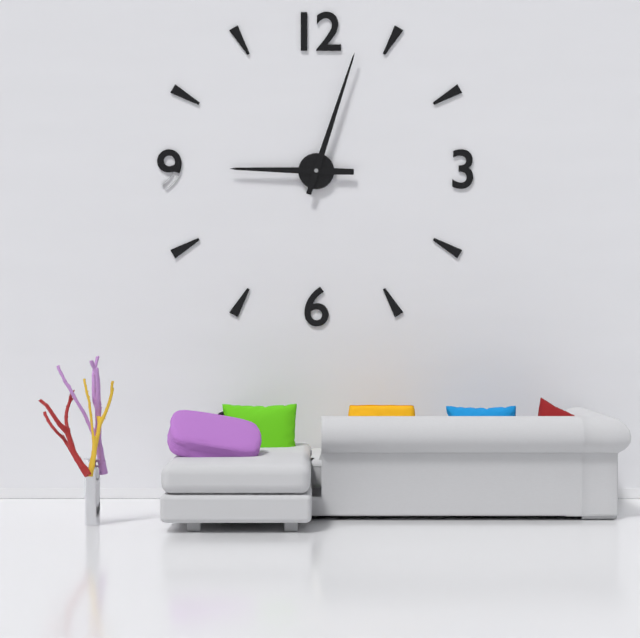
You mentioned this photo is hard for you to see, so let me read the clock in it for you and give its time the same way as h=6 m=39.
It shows h=9 m=3
